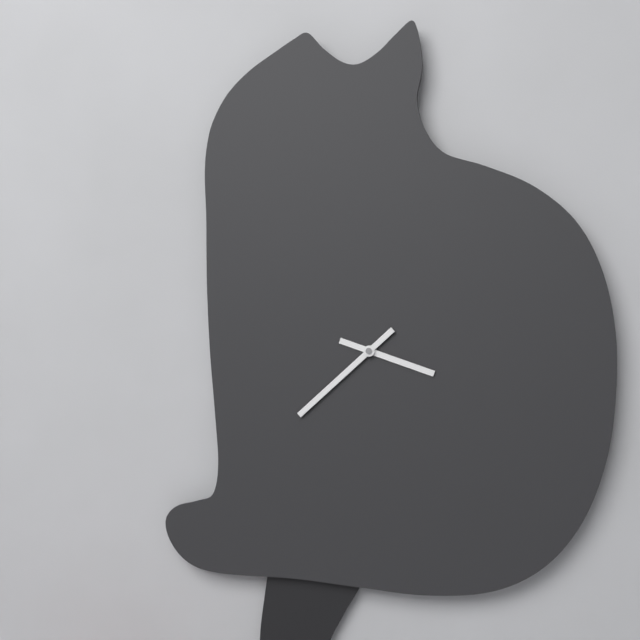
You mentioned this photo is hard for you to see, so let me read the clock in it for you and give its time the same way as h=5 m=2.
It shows h=3 m=38
